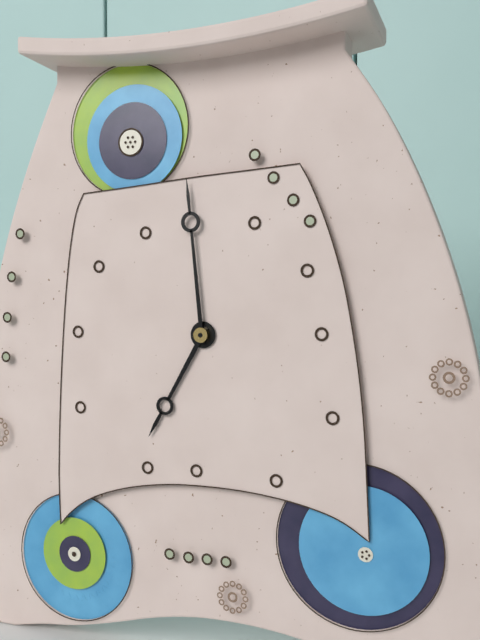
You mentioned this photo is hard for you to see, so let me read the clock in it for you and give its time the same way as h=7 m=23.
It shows h=6 m=59
